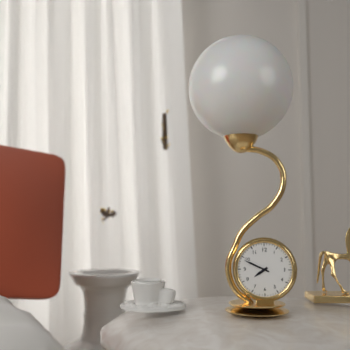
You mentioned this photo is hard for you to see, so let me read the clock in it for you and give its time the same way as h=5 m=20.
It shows h=7 m=49
